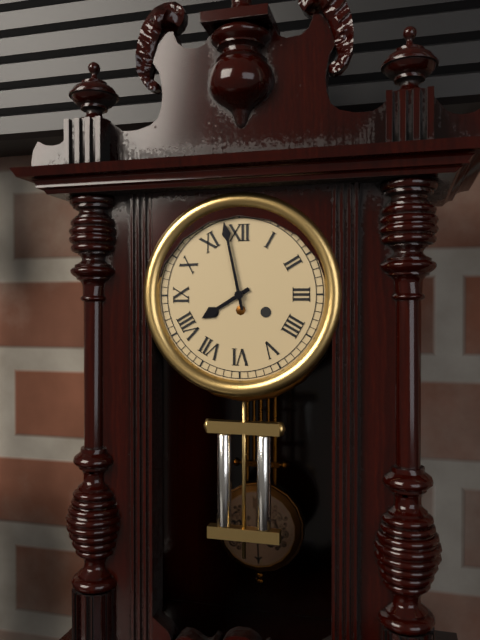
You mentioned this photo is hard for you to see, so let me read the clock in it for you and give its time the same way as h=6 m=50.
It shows h=7 m=58
